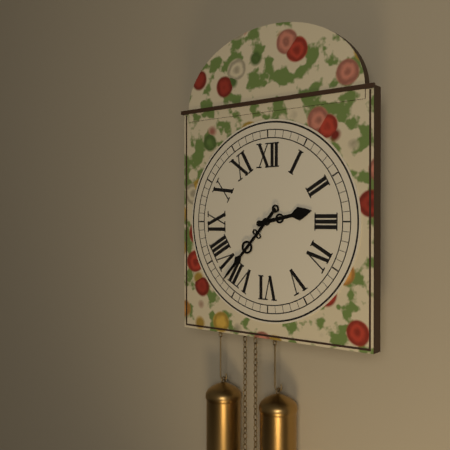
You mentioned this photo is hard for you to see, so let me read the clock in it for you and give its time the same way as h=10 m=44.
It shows h=2 m=37
